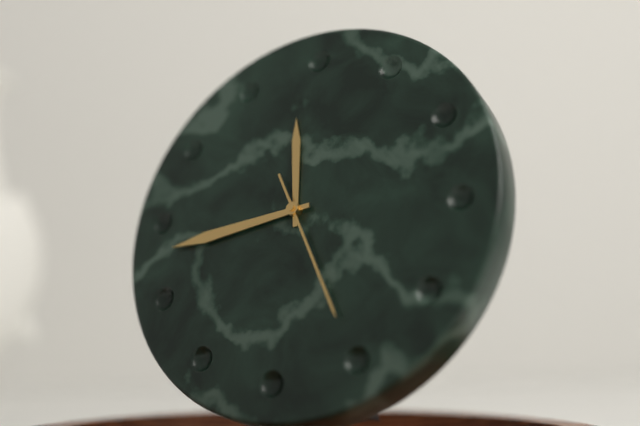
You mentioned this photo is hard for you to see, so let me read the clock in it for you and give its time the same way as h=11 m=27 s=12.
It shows h=11 m=43 s=25
